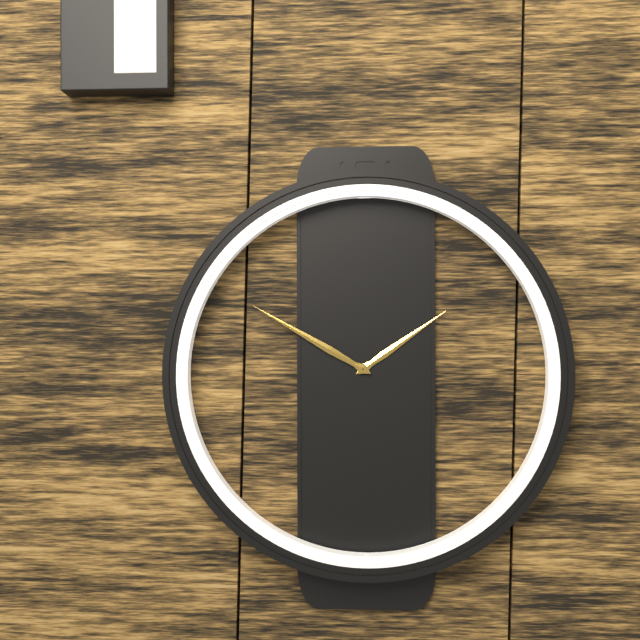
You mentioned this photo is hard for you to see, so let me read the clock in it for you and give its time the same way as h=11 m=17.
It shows h=1 m=50
